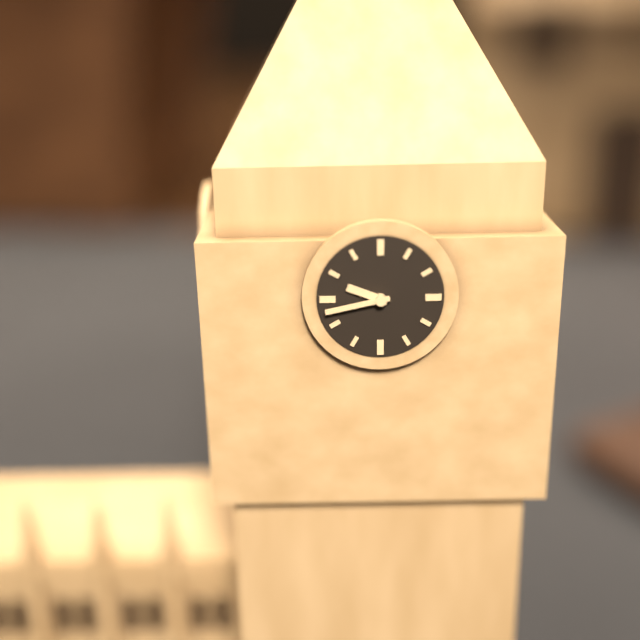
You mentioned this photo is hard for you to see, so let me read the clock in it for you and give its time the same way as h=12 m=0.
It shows h=9 m=43
